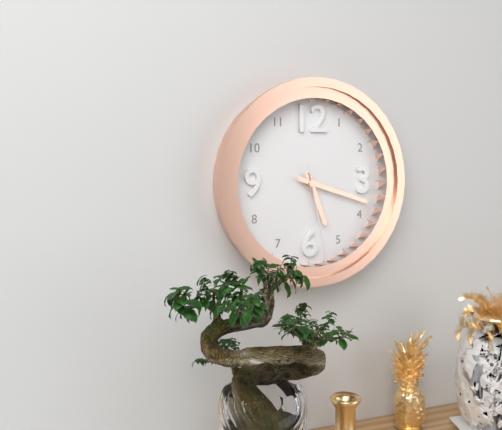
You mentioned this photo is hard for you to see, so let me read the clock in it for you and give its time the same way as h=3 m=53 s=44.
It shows h=5 m=18 s=28
